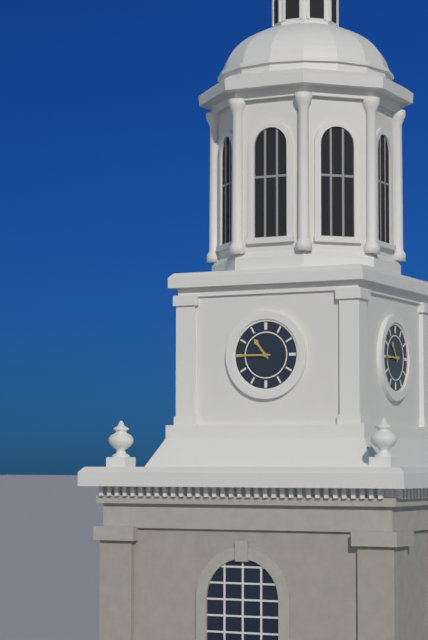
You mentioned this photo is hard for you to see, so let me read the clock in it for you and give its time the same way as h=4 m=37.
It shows h=10 m=45
